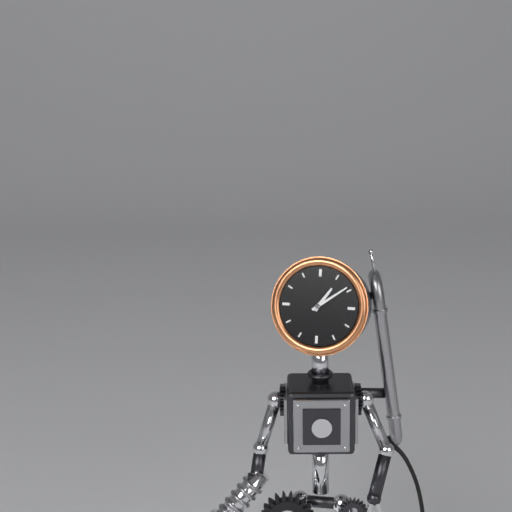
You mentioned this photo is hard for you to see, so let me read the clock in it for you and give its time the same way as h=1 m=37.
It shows h=1 m=9
